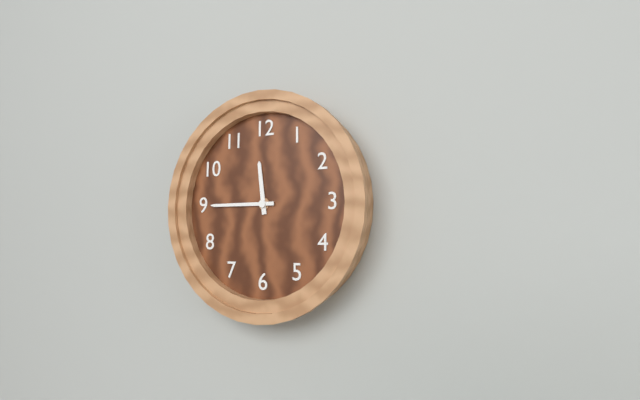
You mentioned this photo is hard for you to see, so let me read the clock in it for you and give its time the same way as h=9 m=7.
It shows h=11 m=45
